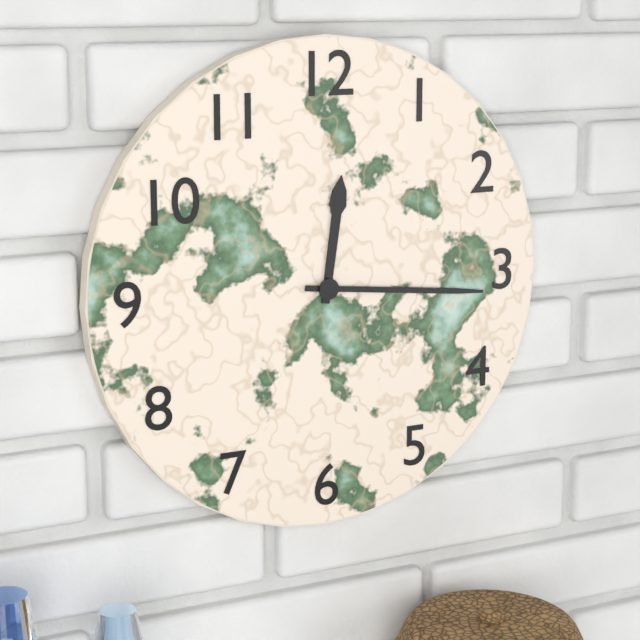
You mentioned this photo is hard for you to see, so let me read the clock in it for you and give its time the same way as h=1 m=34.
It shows h=12 m=16
